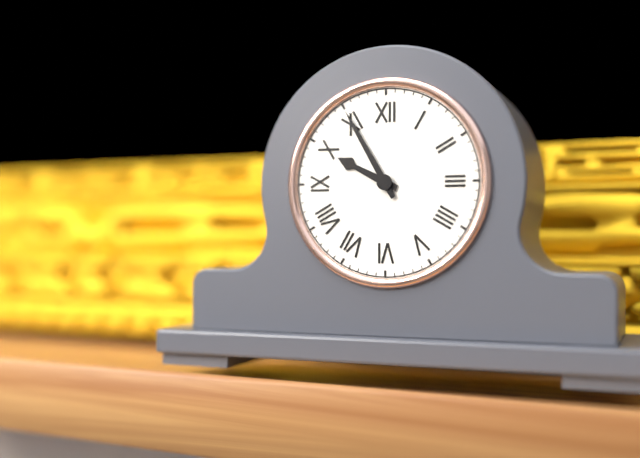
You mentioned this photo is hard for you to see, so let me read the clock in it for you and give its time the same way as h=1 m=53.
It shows h=9 m=55
